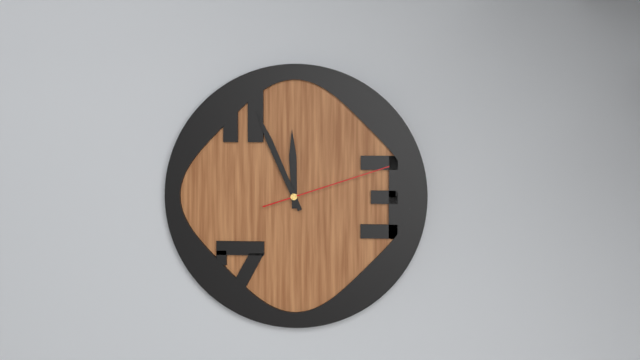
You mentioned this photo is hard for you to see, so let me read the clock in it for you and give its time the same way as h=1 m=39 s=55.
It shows h=11 m=56 s=12
